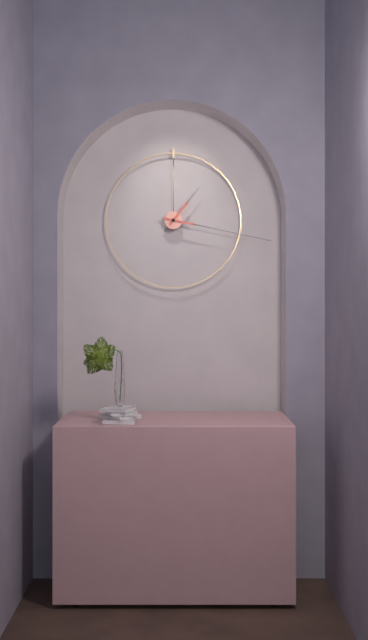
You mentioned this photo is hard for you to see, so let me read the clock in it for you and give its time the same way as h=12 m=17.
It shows h=1 m=17
